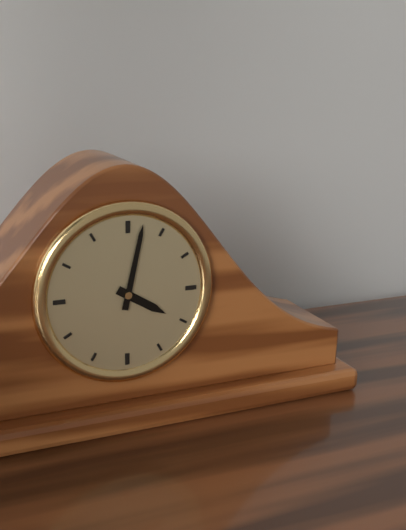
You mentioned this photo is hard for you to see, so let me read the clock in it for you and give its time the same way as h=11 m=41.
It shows h=4 m=2
